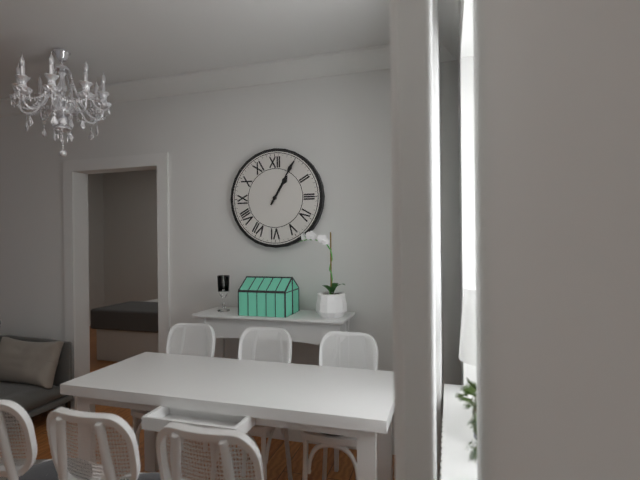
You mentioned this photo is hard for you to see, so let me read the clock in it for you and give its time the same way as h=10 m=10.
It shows h=1 m=5
